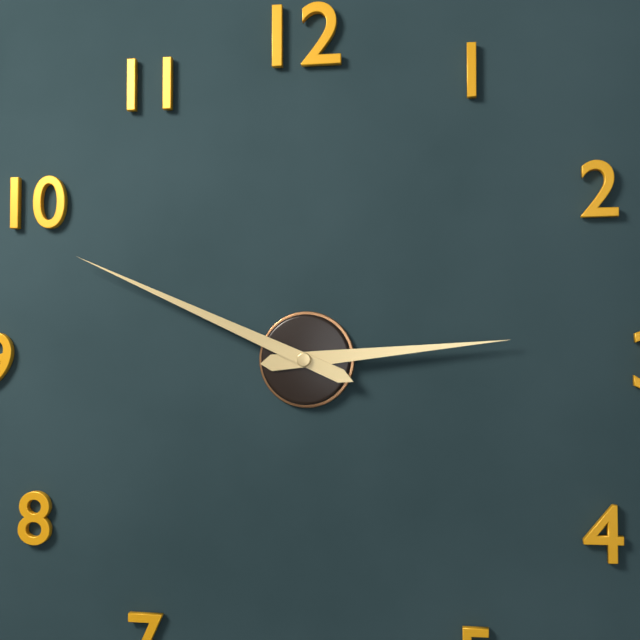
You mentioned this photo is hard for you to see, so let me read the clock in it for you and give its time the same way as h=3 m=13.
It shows h=2 m=49
